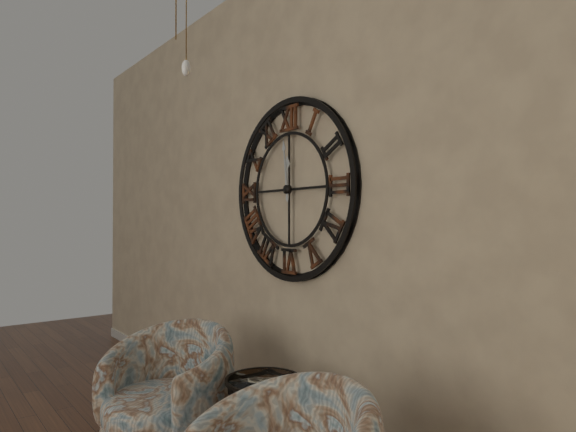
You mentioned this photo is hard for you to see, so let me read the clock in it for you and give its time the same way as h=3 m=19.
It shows h=11 m=59
